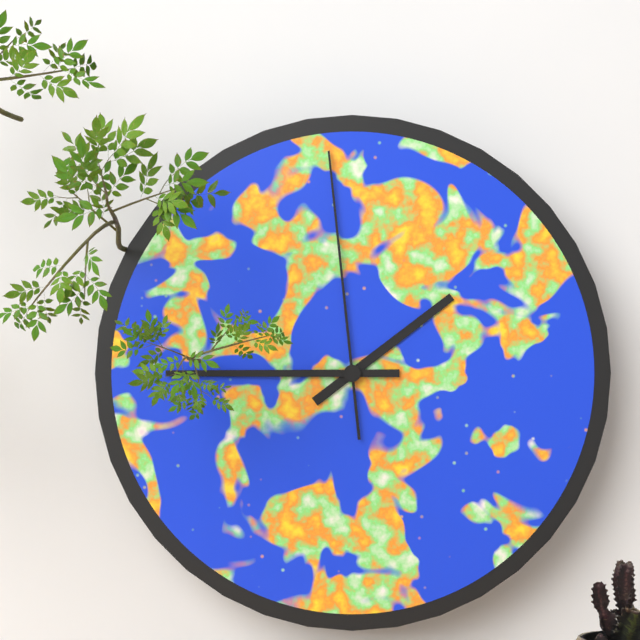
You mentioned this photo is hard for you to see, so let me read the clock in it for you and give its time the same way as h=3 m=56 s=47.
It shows h=1 m=45 s=59
